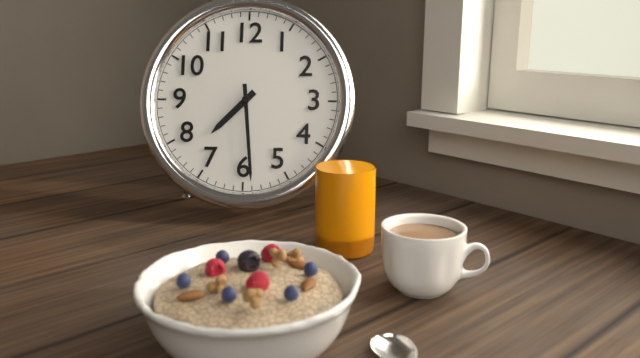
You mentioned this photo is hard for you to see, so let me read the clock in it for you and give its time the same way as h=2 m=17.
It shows h=7 m=29
